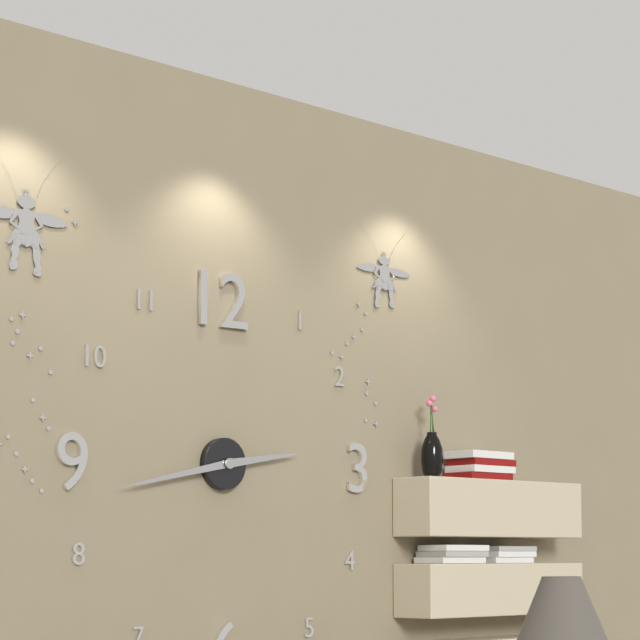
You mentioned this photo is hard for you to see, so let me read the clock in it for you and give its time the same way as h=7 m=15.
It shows h=2 m=43
